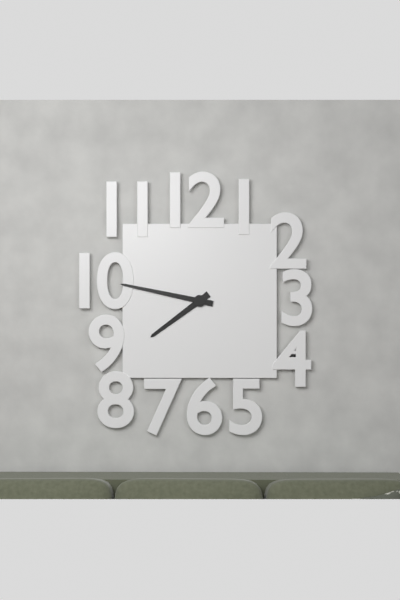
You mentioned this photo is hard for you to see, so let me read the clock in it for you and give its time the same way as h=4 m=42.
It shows h=7 m=47
